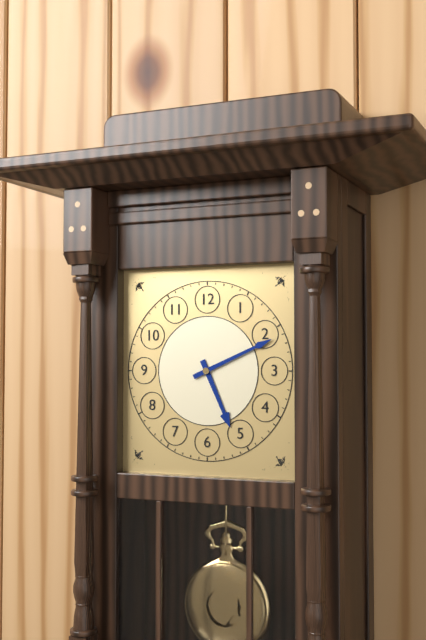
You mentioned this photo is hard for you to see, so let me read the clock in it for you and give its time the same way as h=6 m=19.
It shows h=5 m=11
